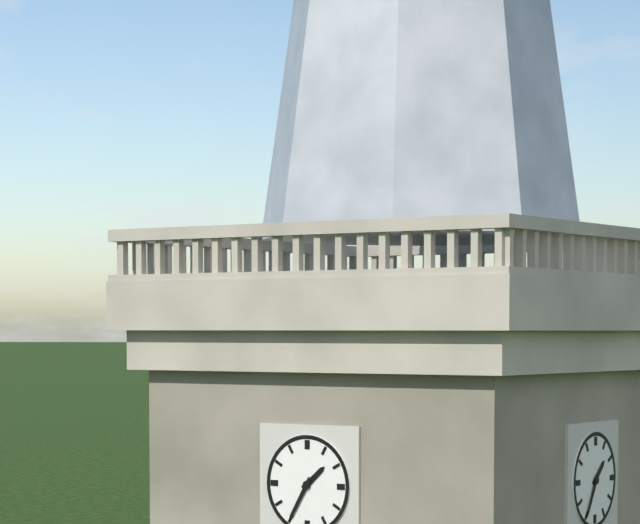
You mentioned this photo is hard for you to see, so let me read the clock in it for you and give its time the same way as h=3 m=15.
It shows h=1 m=35
